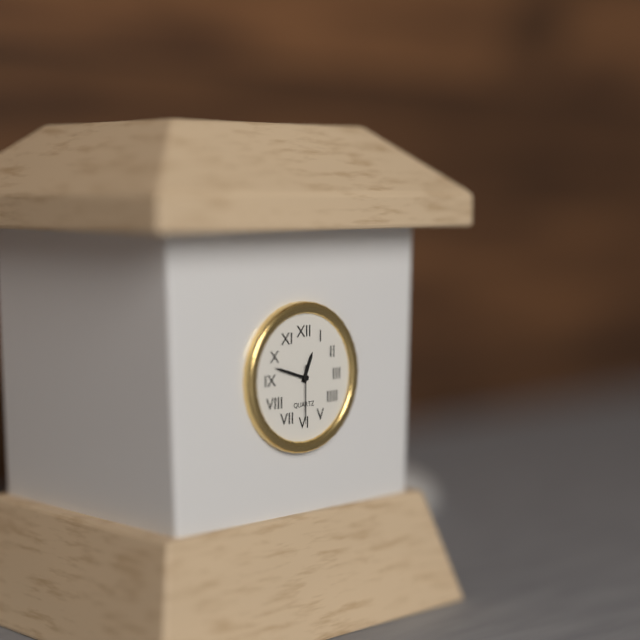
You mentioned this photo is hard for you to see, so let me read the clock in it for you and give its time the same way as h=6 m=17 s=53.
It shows h=12 m=48 s=30
